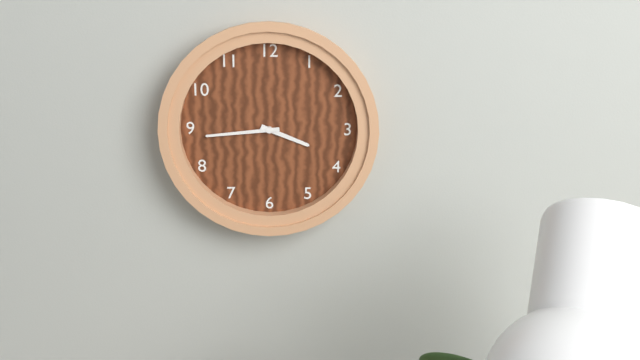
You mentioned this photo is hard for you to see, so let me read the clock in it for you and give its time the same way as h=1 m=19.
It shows h=3 m=44
